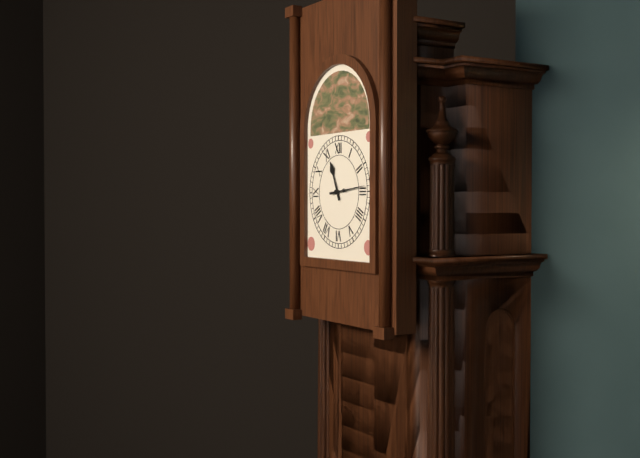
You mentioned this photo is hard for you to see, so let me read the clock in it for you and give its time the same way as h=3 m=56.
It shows h=11 m=14
